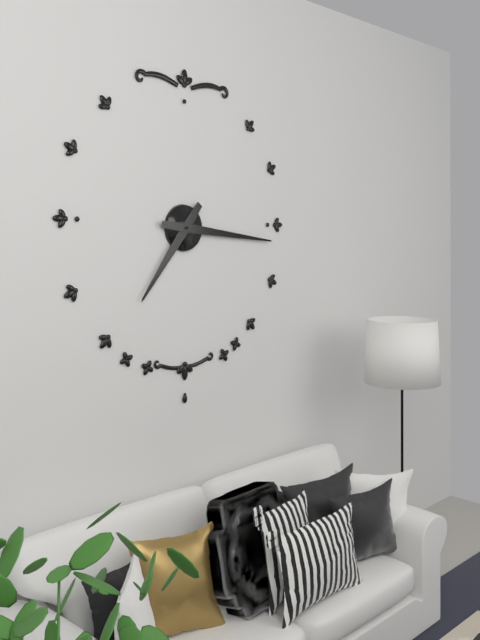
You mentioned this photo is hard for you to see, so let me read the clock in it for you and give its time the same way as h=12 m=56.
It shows h=7 m=16
